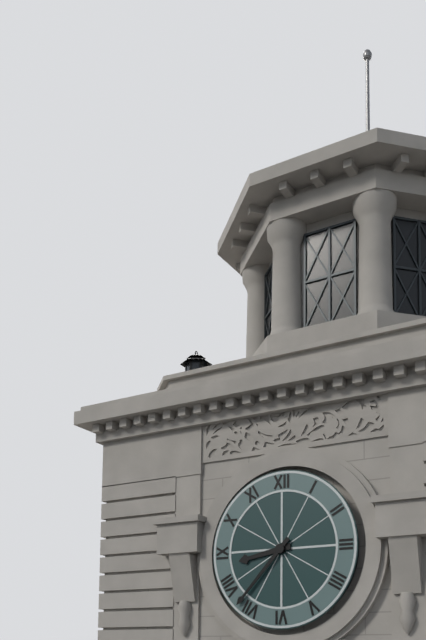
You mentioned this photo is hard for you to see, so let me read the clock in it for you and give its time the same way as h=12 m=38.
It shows h=8 m=37
